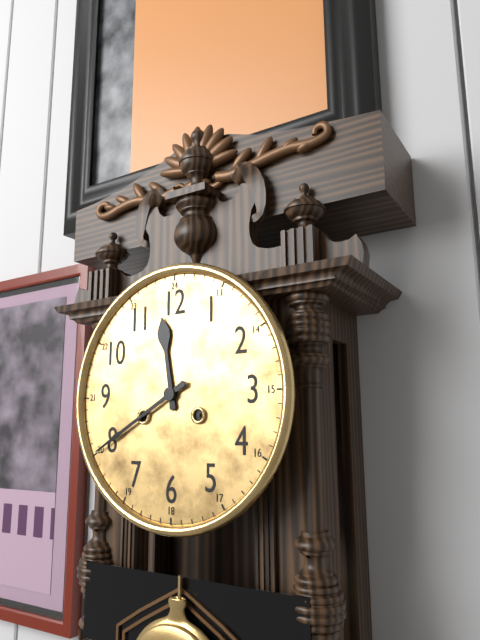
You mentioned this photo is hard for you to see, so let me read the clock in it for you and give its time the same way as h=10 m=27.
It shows h=11 m=40
